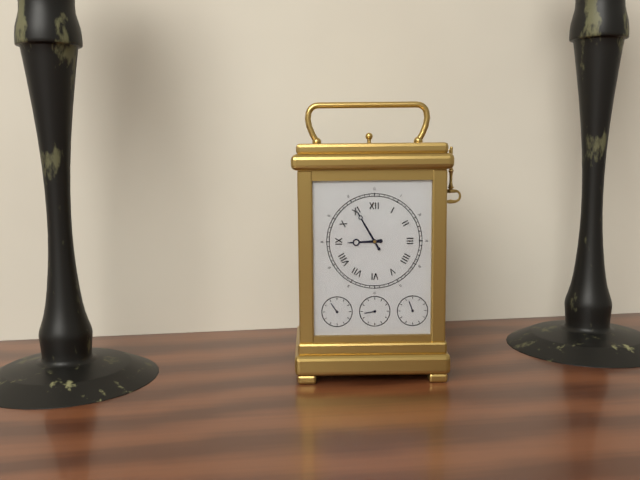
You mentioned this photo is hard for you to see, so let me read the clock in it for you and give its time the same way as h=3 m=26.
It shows h=8 m=55
